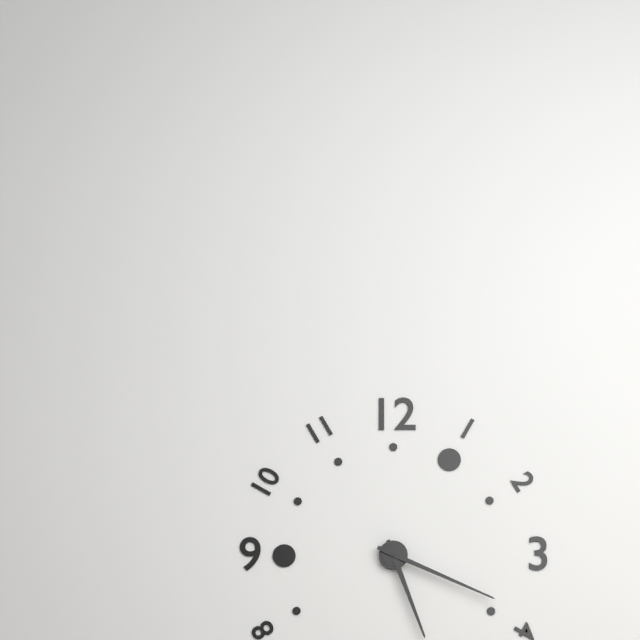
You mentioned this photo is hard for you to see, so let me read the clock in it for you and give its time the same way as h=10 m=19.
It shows h=5 m=19
